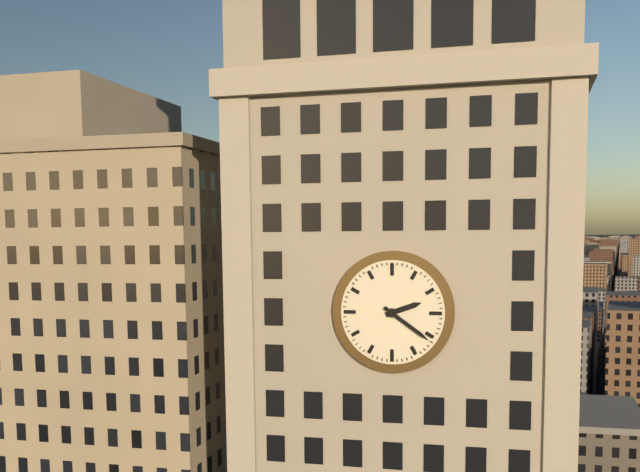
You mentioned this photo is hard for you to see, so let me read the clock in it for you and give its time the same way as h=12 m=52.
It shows h=2 m=21
